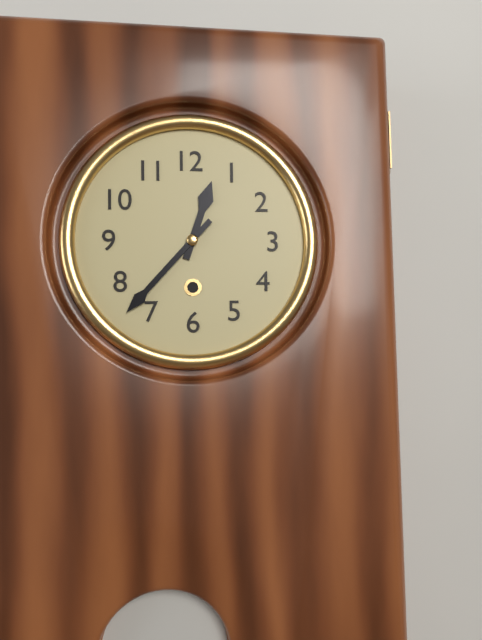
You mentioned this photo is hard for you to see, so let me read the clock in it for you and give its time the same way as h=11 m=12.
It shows h=12 m=37
